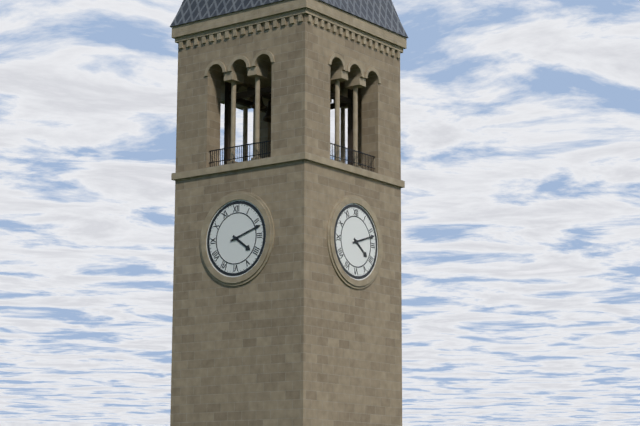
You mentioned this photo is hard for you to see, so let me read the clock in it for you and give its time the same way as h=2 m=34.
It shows h=4 m=12
